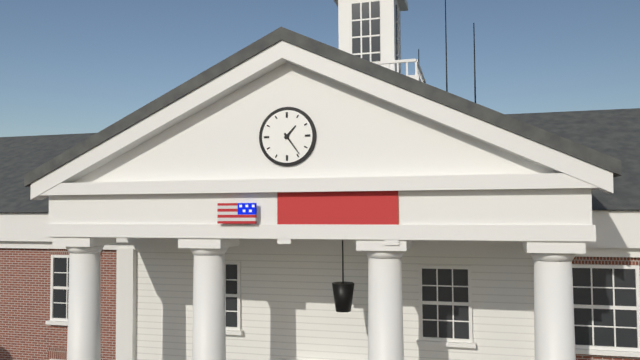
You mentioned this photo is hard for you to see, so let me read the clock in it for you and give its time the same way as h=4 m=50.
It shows h=1 m=24
